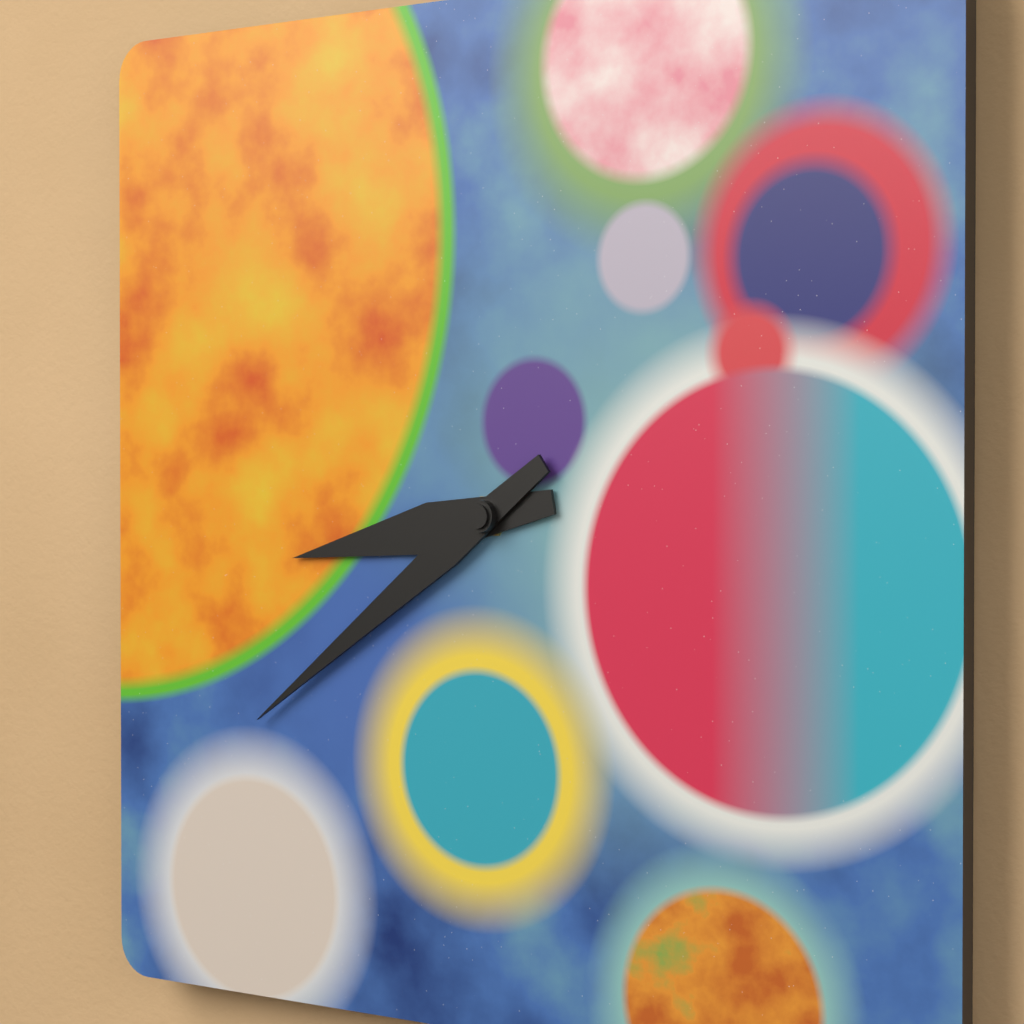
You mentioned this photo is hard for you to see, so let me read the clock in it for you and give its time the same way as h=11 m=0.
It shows h=8 m=39
